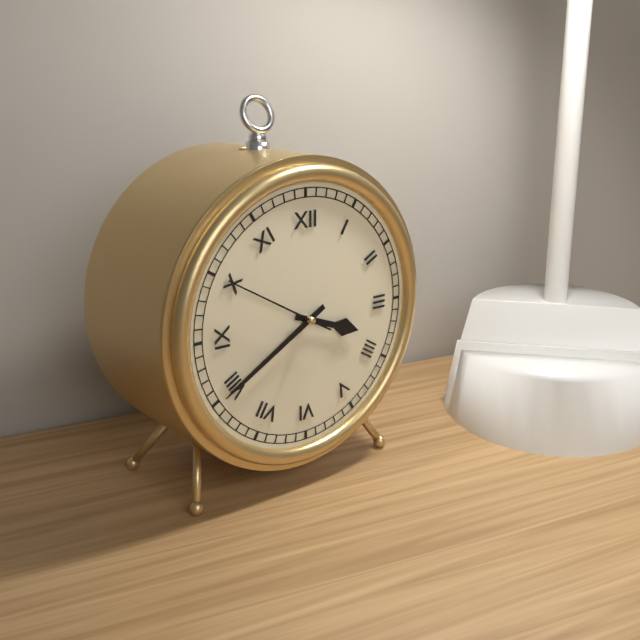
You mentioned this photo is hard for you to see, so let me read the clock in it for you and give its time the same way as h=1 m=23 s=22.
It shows h=3 m=40 s=50
